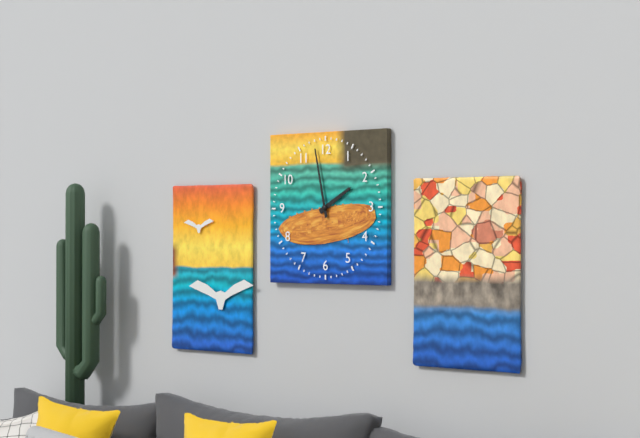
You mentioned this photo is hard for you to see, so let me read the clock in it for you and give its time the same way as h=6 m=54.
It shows h=1 m=58
